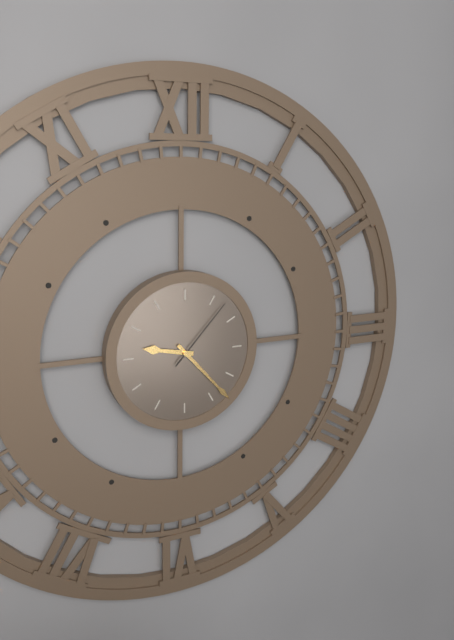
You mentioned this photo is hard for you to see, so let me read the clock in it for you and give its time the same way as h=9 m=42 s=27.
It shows h=9 m=23 s=7
